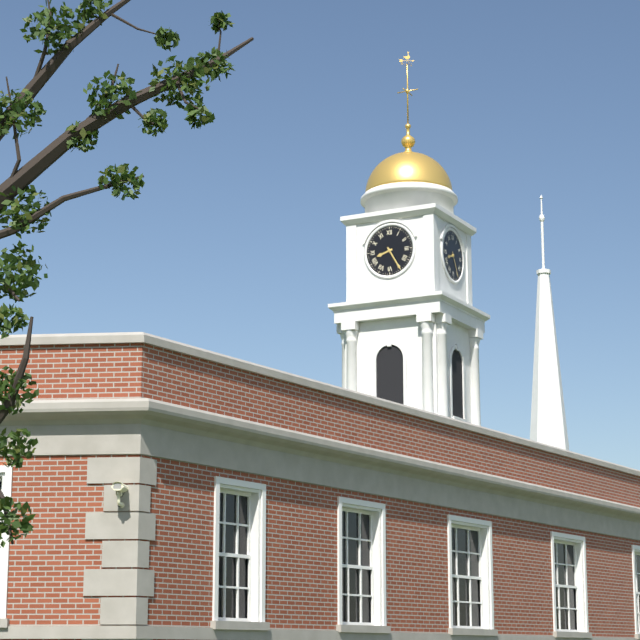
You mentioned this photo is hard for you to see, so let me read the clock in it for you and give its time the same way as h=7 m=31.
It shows h=8 m=25
